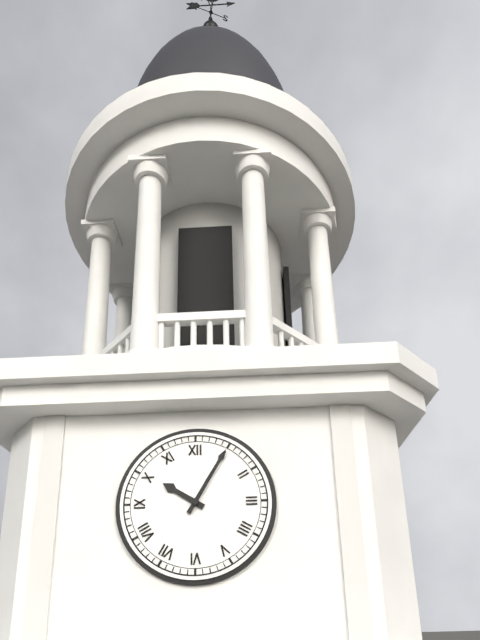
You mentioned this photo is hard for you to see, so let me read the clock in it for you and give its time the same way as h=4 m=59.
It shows h=10 m=5
